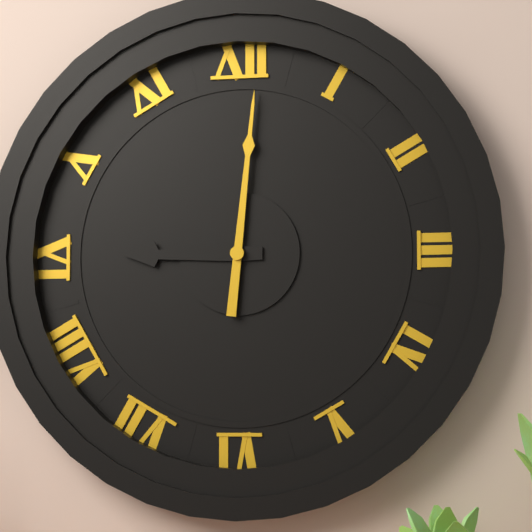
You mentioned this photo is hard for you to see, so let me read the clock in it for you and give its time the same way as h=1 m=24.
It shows h=9 m=1
